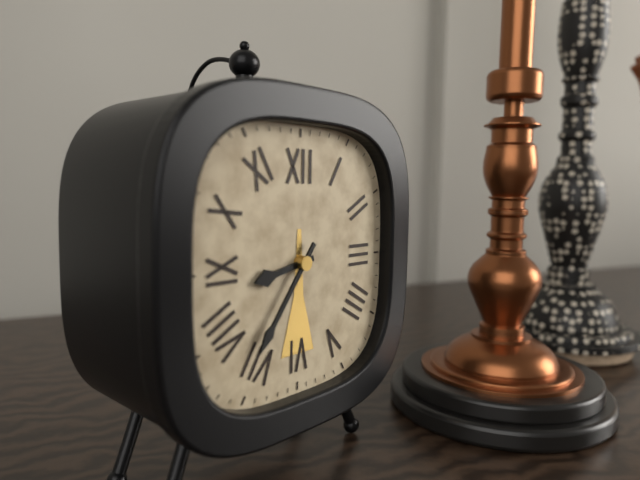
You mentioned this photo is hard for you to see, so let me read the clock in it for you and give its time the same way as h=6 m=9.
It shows h=8 m=36
